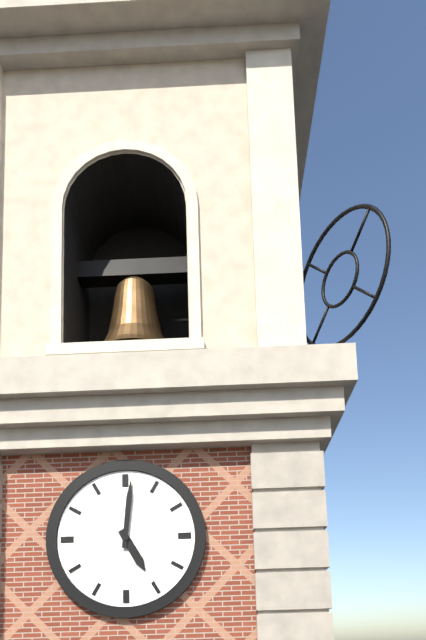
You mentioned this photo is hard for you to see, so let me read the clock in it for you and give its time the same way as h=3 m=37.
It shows h=5 m=1
